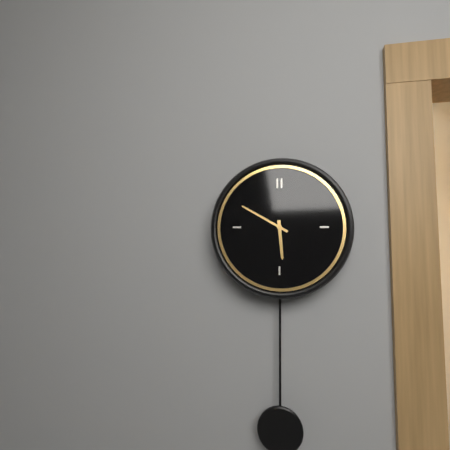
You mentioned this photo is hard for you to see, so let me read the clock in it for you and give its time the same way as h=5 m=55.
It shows h=5 m=50
